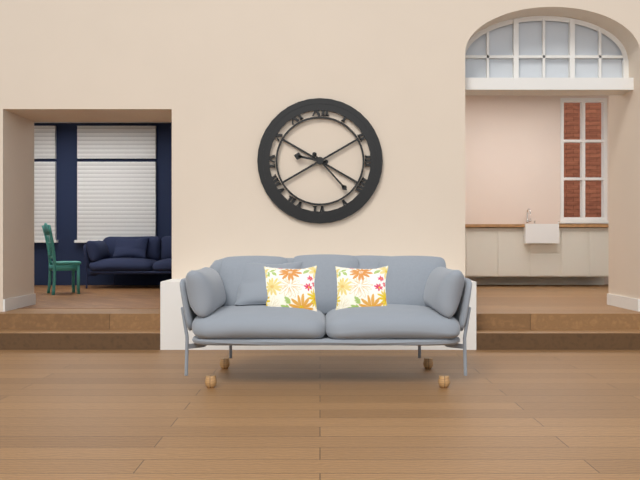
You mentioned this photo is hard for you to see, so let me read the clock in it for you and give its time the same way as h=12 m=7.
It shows h=9 m=23
